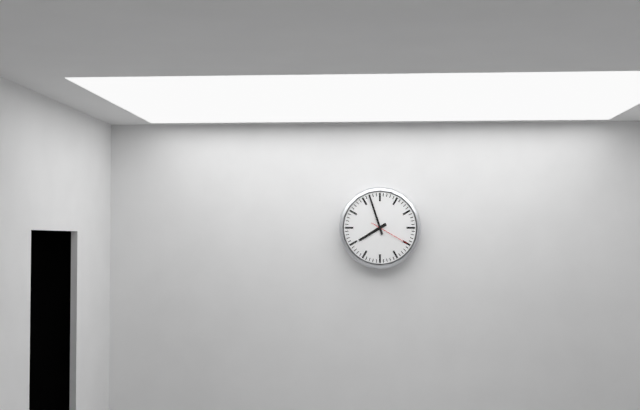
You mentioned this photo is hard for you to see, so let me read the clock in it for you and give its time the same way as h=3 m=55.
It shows h=7 m=57
